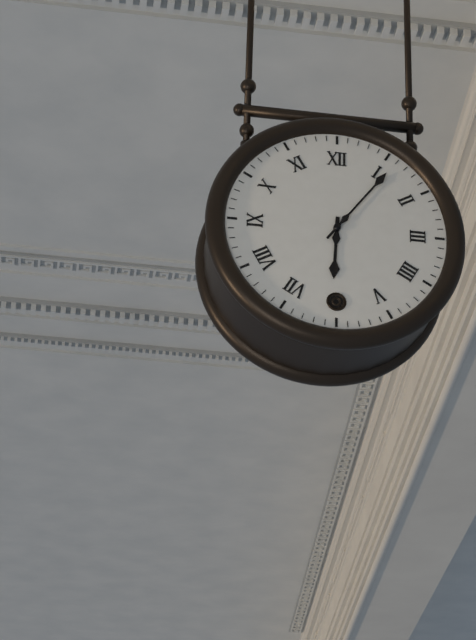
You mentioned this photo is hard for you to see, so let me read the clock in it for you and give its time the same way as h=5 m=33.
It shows h=6 m=6
